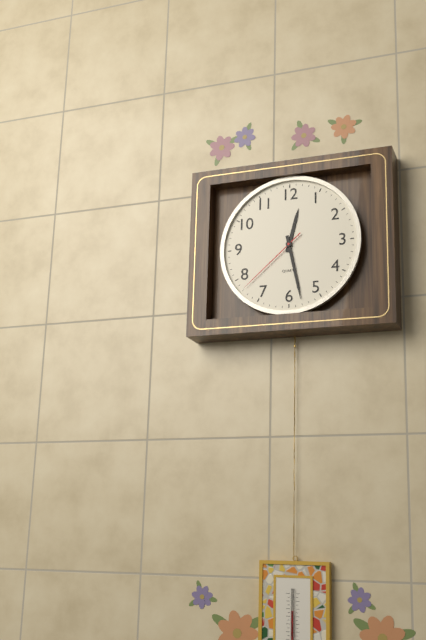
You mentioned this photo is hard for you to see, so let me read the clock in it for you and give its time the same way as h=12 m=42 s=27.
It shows h=12 m=28 s=38
